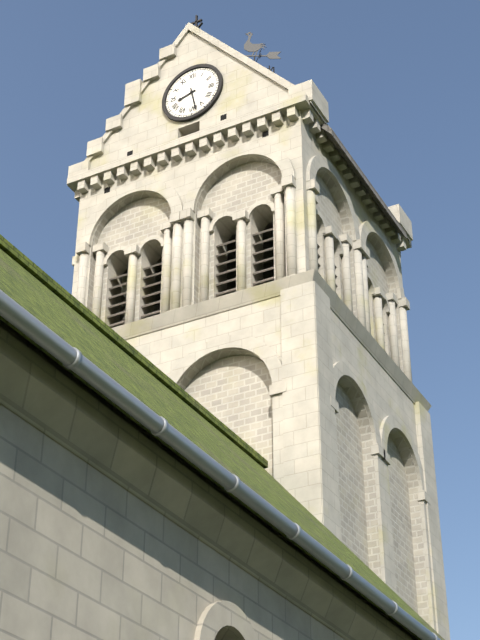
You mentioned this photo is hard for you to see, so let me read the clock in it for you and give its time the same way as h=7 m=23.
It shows h=8 m=28
